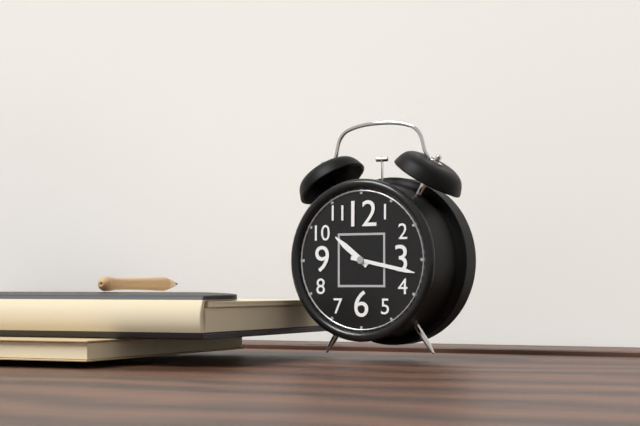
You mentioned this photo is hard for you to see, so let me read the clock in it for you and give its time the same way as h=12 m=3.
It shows h=10 m=17
